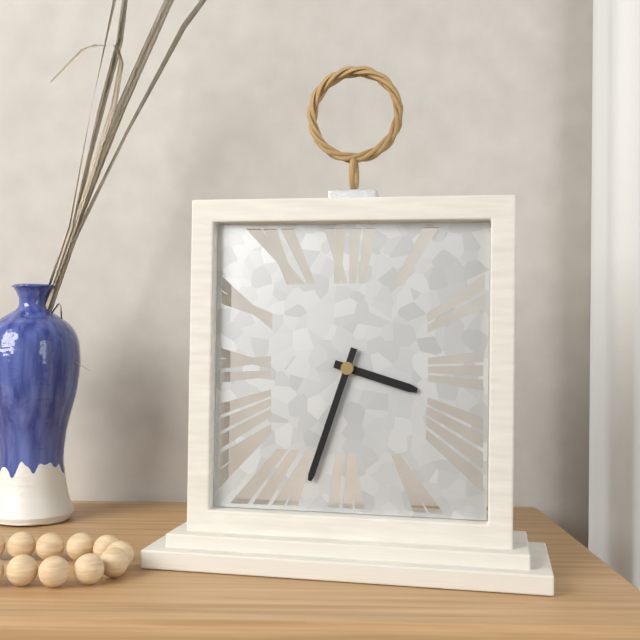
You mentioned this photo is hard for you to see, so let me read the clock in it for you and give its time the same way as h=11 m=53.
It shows h=3 m=33
